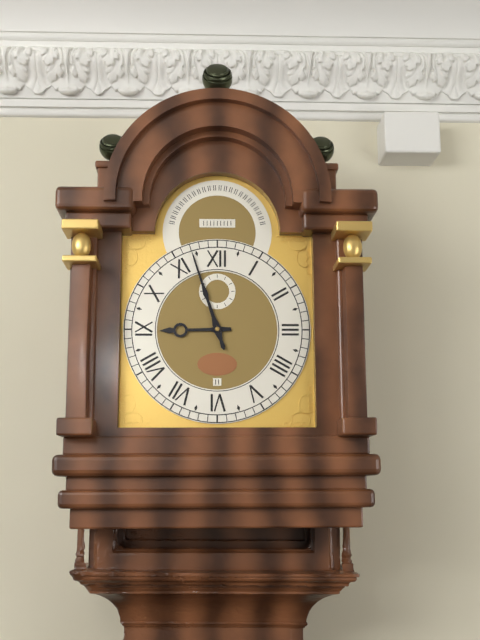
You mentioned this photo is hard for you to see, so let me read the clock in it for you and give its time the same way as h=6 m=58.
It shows h=8 m=57
